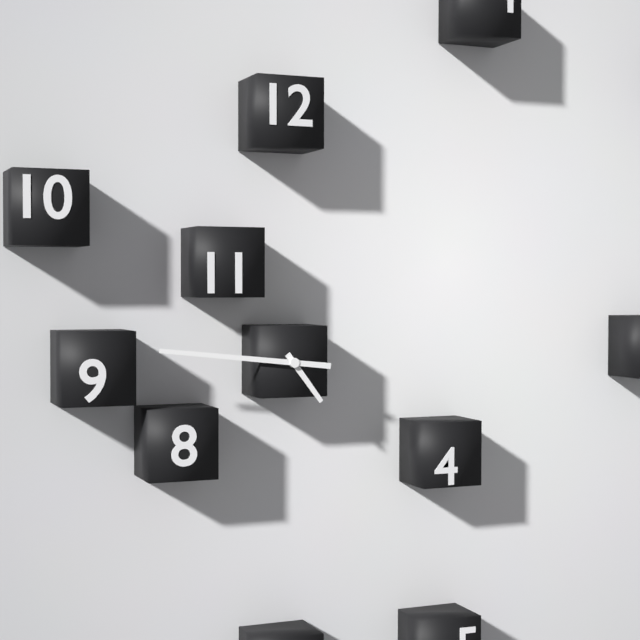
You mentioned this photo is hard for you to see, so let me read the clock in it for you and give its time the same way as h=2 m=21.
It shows h=4 m=46
